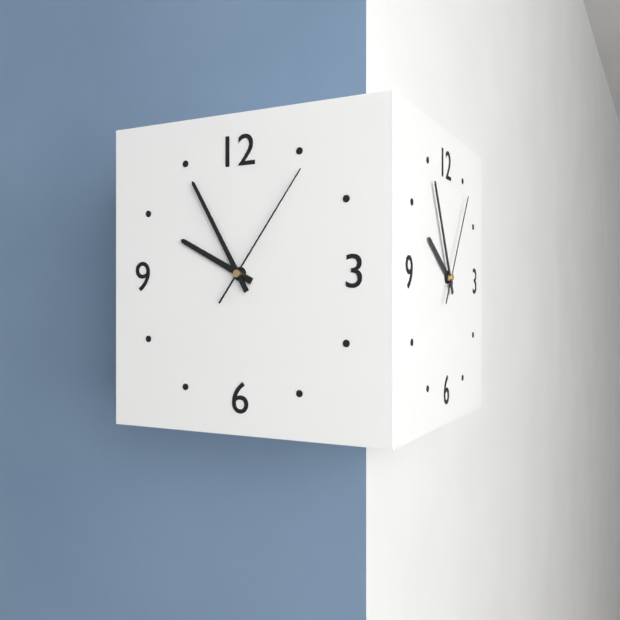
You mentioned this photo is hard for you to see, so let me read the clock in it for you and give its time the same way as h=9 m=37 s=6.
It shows h=9 m=55 s=6
